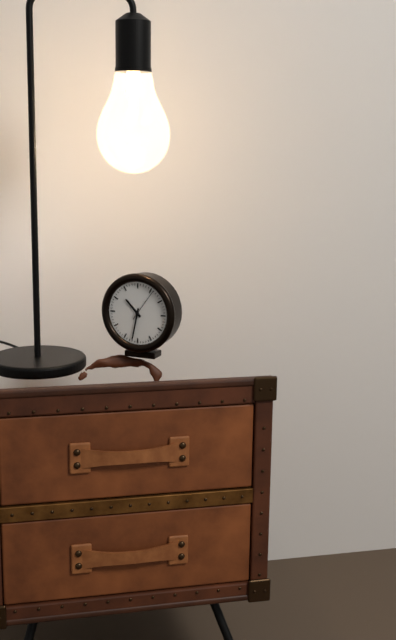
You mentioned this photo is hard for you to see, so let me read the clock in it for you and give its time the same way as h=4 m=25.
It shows h=10 m=32
